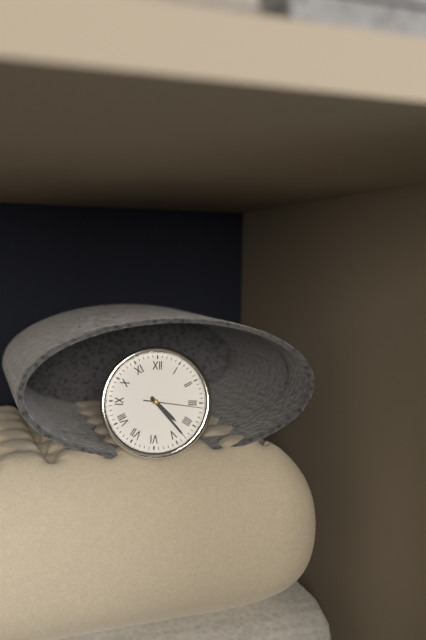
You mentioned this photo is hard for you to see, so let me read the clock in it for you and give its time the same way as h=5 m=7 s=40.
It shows h=4 m=23 s=16
